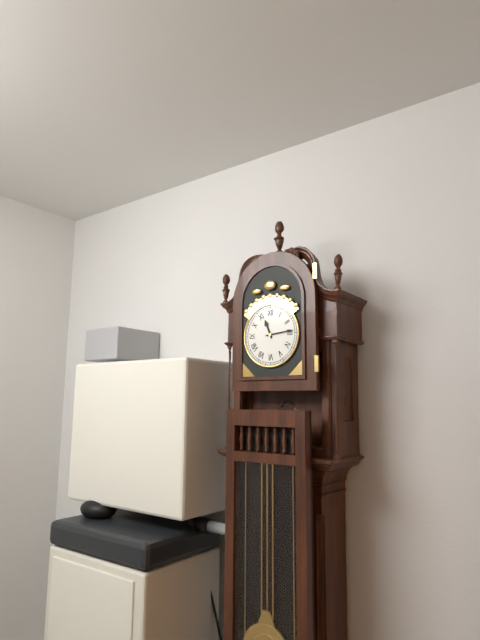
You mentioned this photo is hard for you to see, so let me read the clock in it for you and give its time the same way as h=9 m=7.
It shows h=11 m=14
